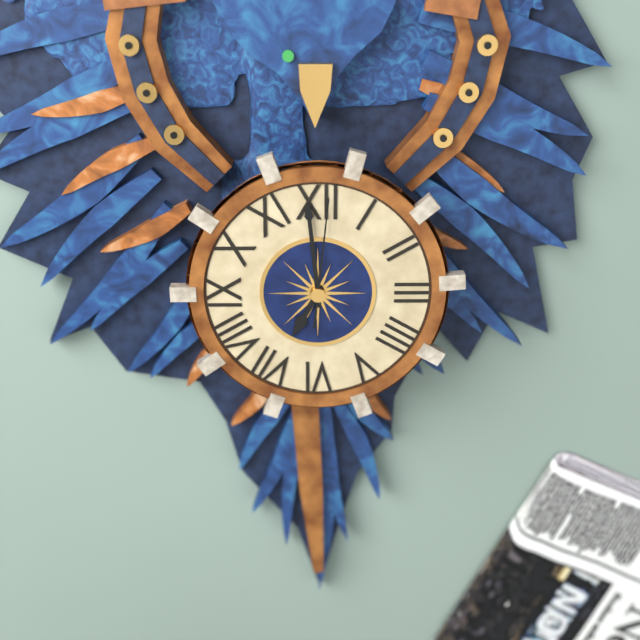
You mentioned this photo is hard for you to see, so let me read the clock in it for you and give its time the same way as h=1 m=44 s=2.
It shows h=6 m=59 s=1
